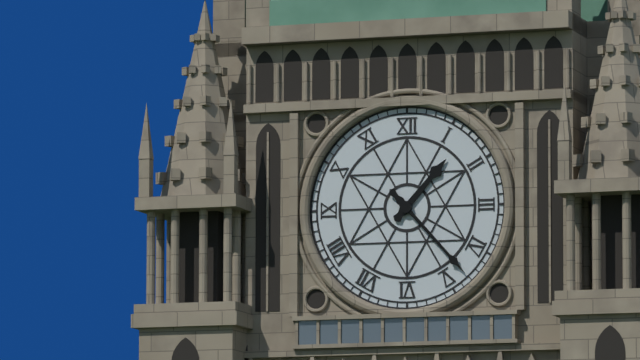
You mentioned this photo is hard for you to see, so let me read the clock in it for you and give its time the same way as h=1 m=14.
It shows h=1 m=23
